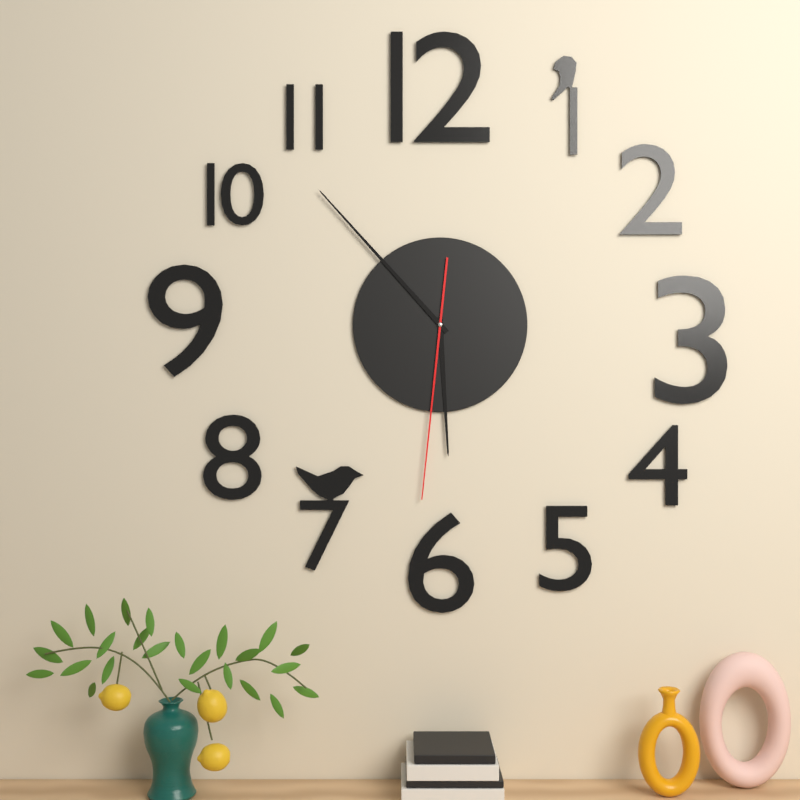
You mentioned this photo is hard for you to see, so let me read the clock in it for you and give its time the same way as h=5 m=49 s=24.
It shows h=5 m=53 s=31
